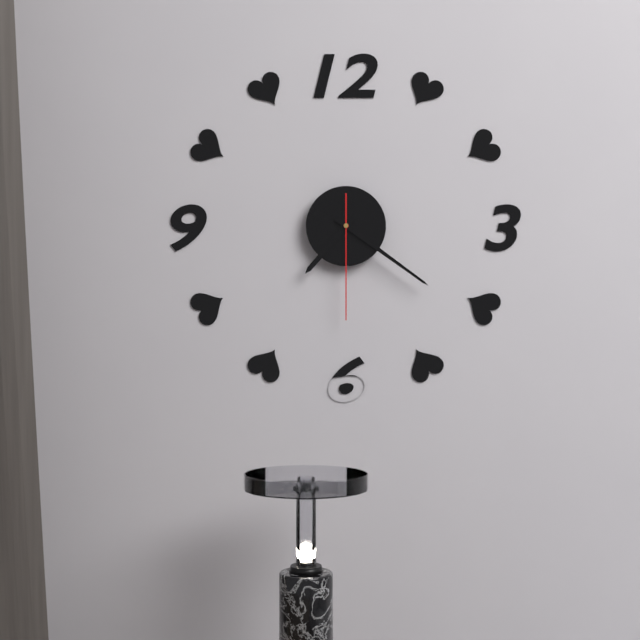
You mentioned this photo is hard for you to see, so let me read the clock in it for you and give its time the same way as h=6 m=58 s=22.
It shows h=7 m=21 s=30
